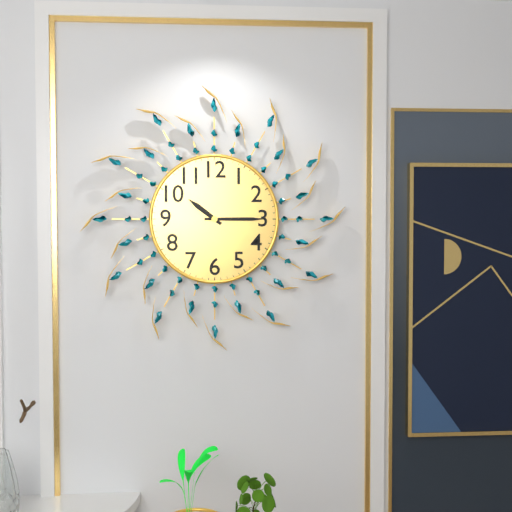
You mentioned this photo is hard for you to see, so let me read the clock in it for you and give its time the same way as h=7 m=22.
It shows h=10 m=15
